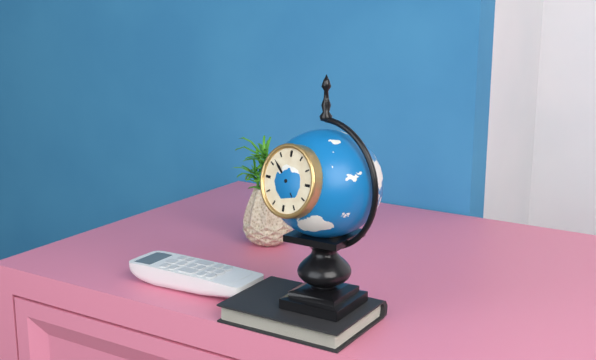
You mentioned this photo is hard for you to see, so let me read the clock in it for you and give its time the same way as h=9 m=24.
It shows h=4 m=52
